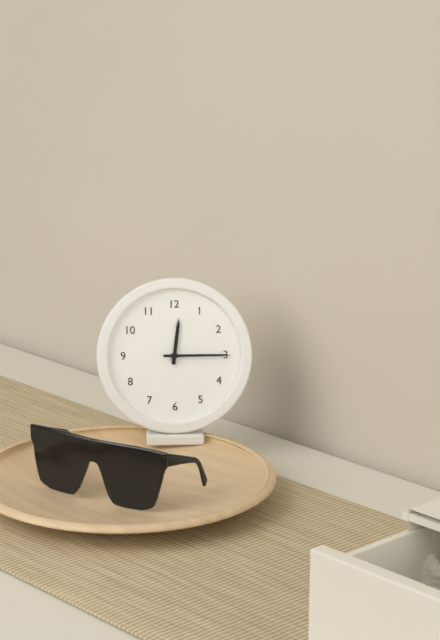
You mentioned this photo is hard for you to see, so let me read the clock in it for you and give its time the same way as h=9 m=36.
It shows h=12 m=15
